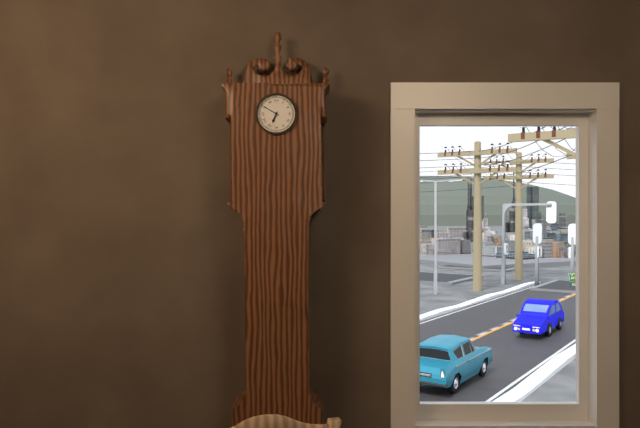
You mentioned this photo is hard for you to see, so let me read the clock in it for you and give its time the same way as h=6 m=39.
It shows h=6 m=50
